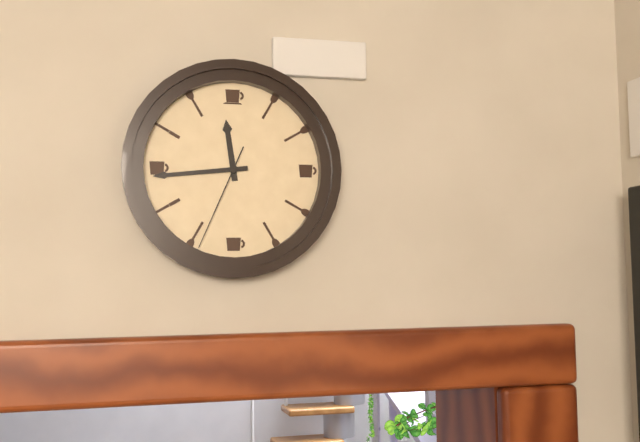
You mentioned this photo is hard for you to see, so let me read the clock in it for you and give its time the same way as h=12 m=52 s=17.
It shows h=11 m=44 s=34
